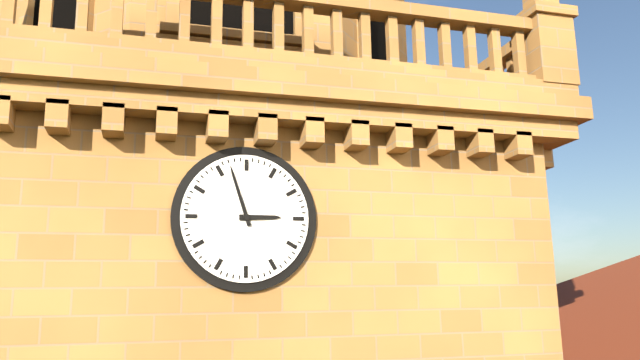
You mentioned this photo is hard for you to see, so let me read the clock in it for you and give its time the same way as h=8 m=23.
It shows h=2 m=57
